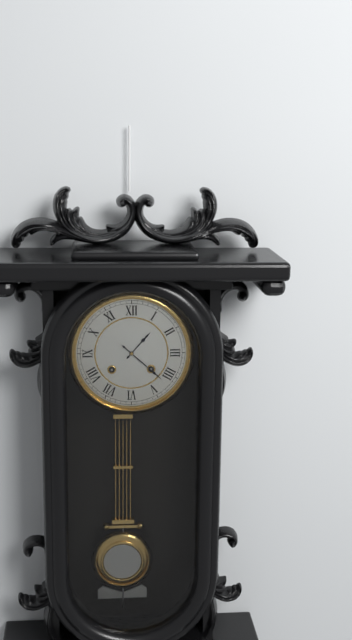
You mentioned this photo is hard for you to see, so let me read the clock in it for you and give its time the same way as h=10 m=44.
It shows h=1 m=22
